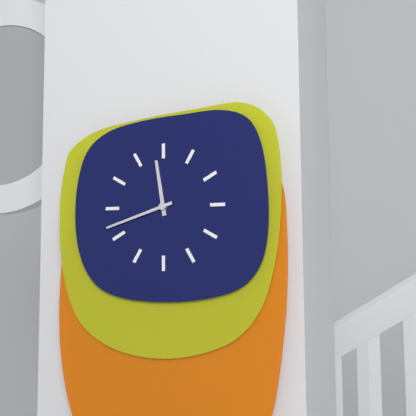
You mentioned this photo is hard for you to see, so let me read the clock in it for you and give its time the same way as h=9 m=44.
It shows h=11 m=42
